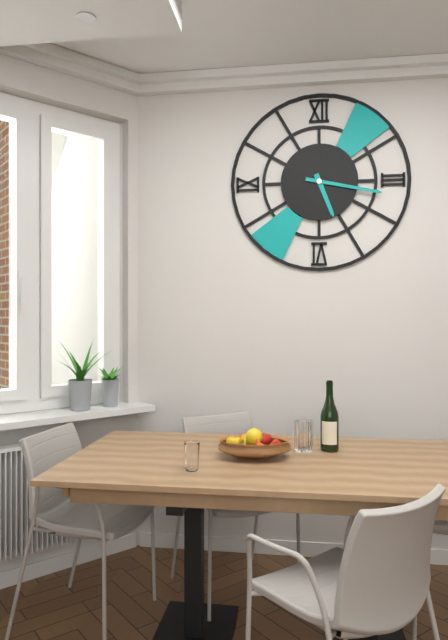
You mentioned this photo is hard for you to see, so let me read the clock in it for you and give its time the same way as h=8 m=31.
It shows h=5 m=17
